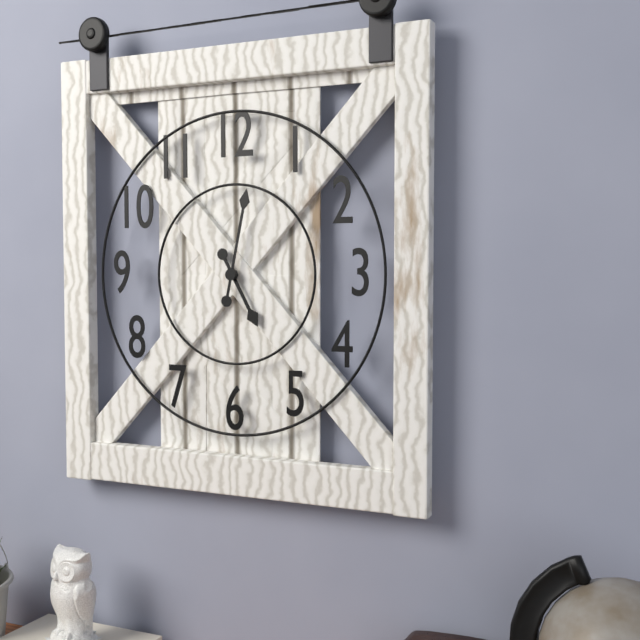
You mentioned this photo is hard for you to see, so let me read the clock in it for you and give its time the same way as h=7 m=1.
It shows h=5 m=2
